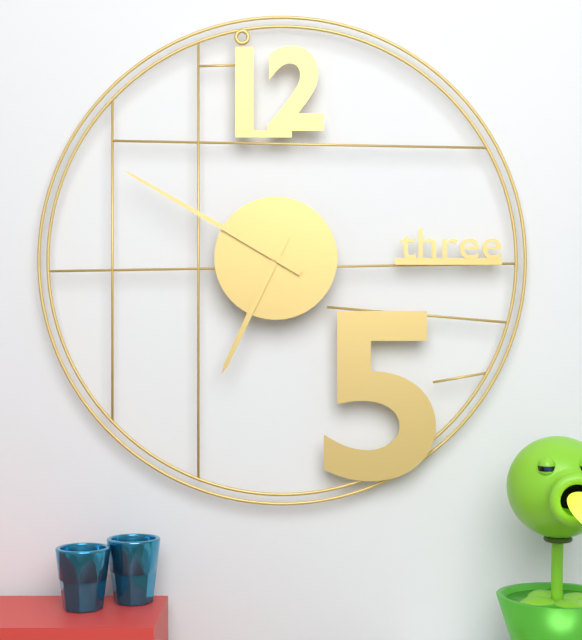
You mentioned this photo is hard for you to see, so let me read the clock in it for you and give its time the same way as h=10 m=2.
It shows h=6 m=50
